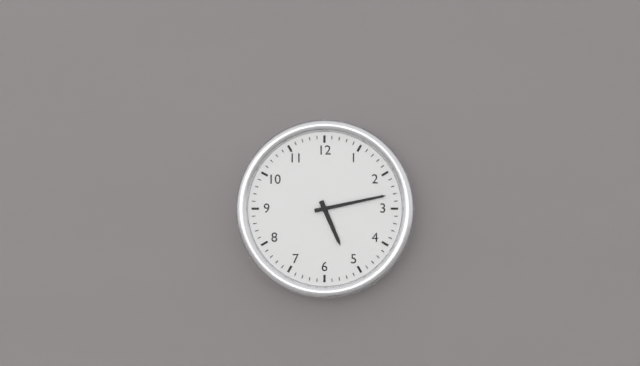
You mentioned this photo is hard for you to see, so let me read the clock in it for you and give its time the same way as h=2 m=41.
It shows h=5 m=13
